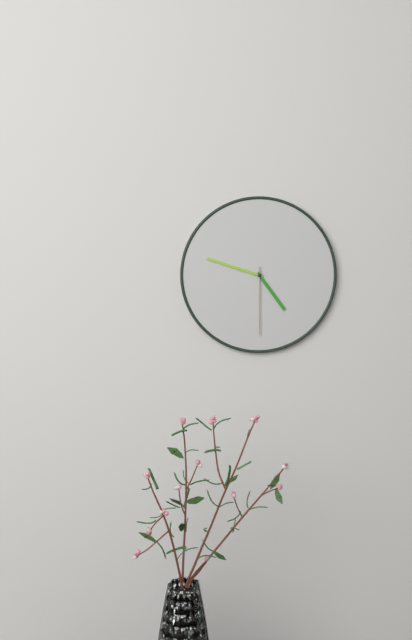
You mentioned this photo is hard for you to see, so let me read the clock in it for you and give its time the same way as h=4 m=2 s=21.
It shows h=4 m=48 s=30
